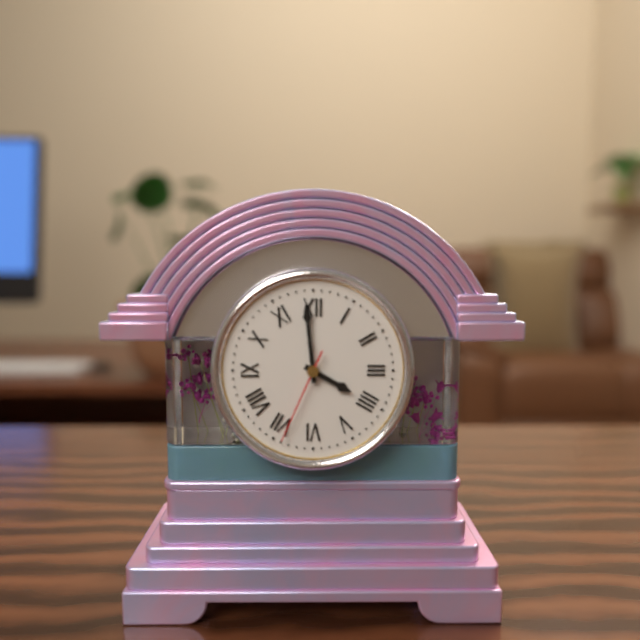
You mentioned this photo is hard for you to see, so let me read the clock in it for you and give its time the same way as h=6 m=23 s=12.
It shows h=3 m=59 s=34
